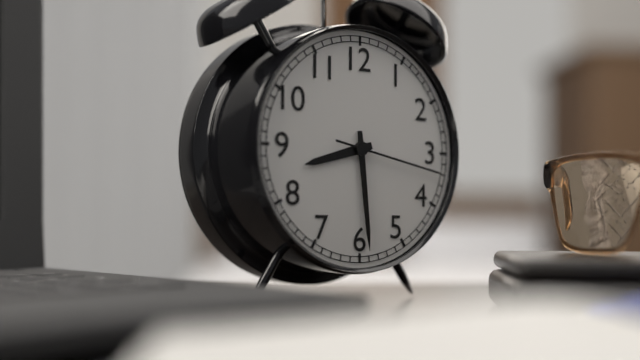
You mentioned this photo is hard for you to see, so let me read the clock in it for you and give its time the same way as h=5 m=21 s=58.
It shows h=8 m=29 s=17
